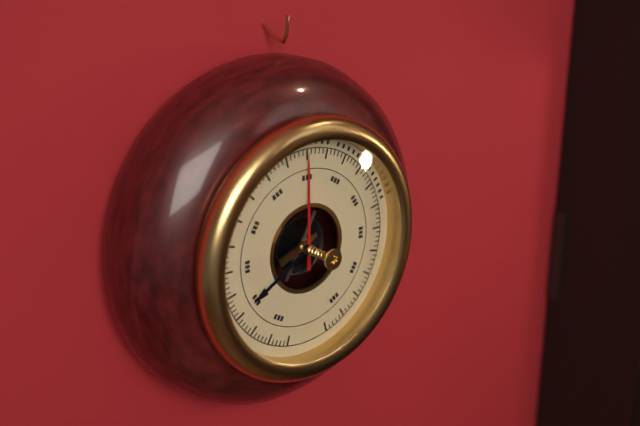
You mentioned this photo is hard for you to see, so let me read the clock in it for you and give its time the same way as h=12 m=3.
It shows h=8 m=0
